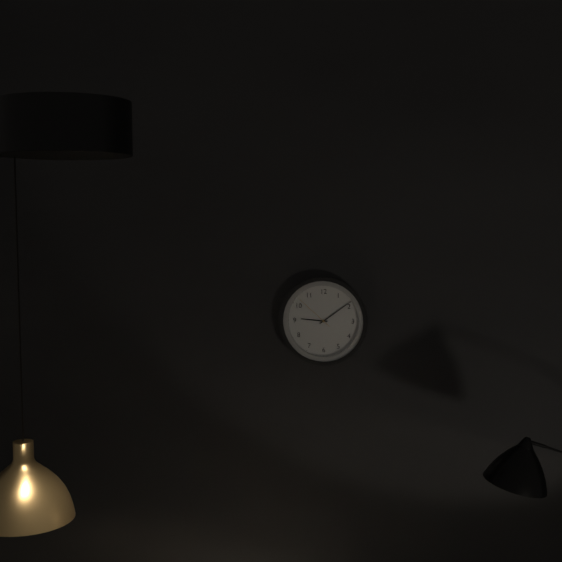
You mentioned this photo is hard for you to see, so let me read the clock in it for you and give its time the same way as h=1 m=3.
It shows h=9 m=9
